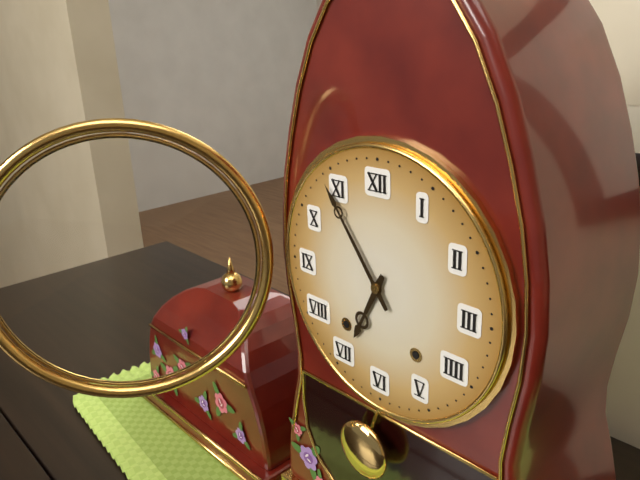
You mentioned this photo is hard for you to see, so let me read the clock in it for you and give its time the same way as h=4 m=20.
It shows h=6 m=54
